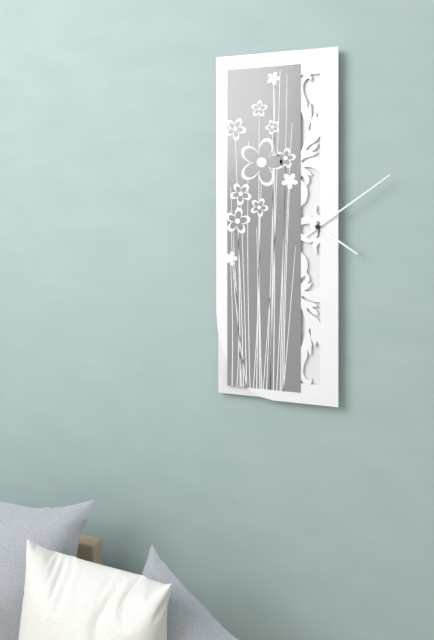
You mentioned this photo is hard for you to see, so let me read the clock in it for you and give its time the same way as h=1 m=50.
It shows h=4 m=9
